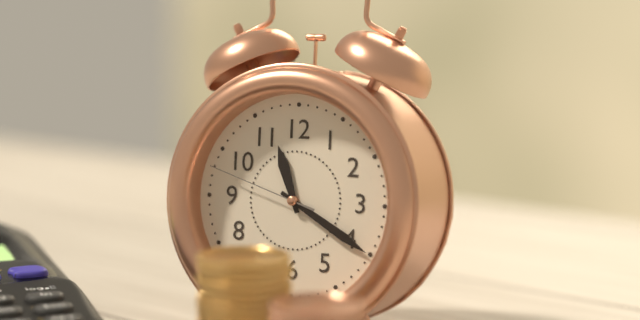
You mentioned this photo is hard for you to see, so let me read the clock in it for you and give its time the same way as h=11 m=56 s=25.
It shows h=11 m=20 s=48
